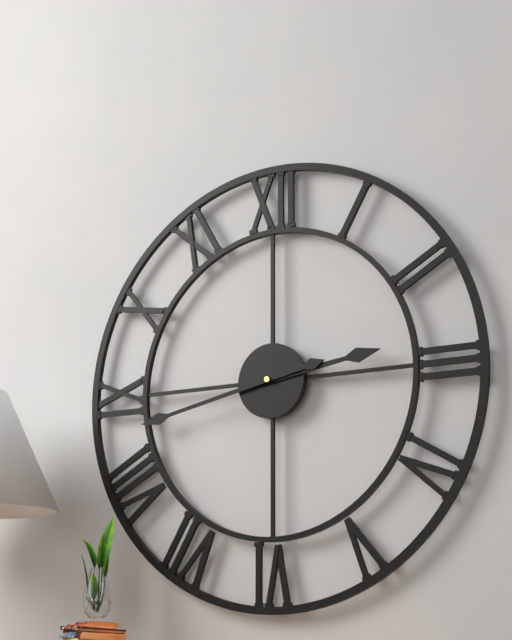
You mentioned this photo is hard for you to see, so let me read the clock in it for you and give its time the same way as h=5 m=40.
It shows h=2 m=43
